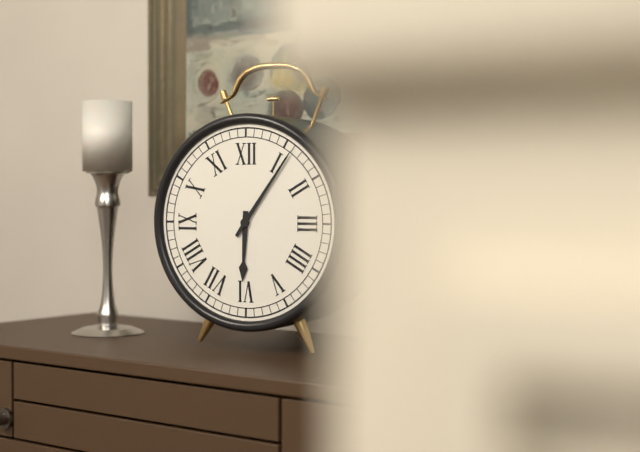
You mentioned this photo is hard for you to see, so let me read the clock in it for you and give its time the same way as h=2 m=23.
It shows h=6 m=6
